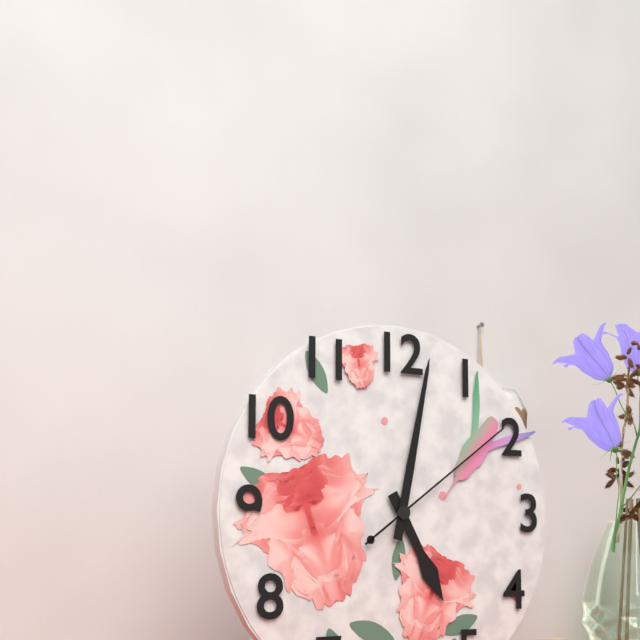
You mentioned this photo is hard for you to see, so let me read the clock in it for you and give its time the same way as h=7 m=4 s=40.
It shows h=5 m=2 s=9
